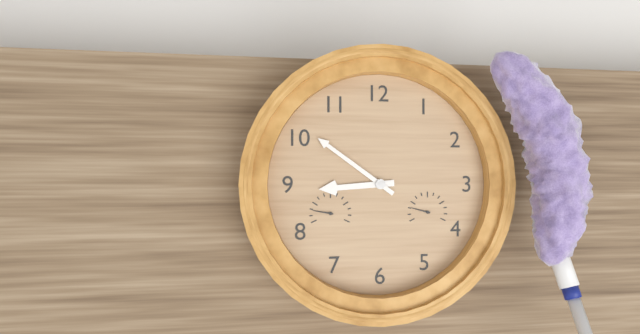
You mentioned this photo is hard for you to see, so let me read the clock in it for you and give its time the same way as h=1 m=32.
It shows h=8 m=51
